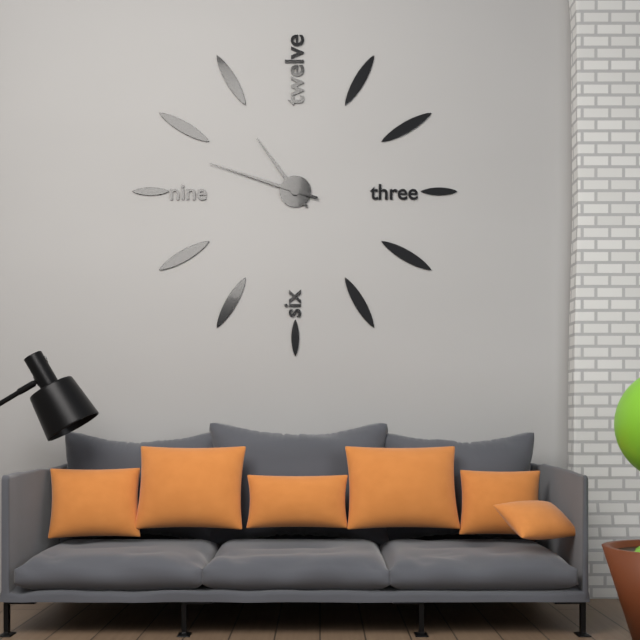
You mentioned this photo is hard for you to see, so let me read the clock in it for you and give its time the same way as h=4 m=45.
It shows h=10 m=48
